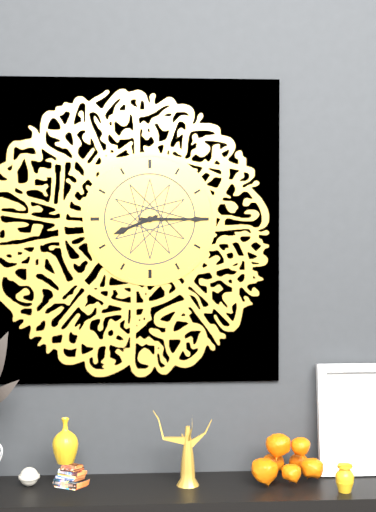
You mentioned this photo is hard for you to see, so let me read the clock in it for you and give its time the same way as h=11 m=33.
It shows h=8 m=15
